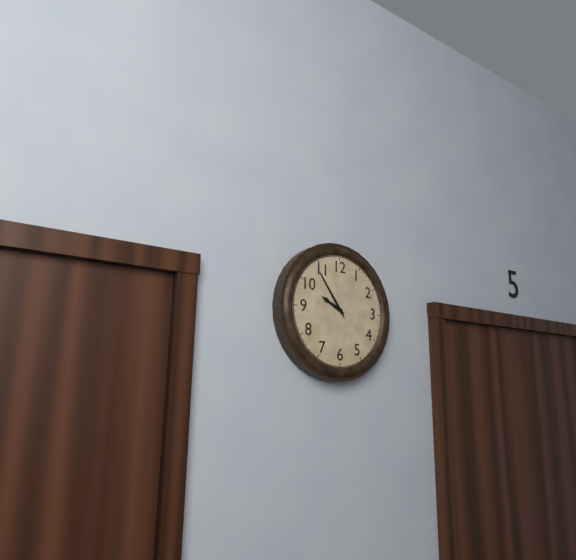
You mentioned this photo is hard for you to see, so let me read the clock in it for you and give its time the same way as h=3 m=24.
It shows h=9 m=54
